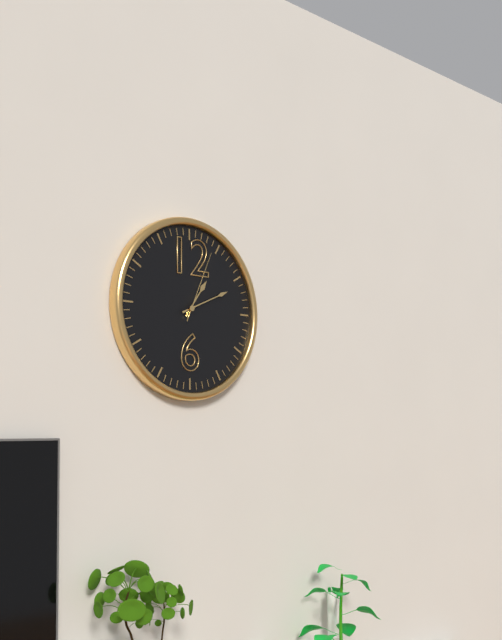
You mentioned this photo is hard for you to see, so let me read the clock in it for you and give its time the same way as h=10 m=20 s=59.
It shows h=1 m=11 s=4
